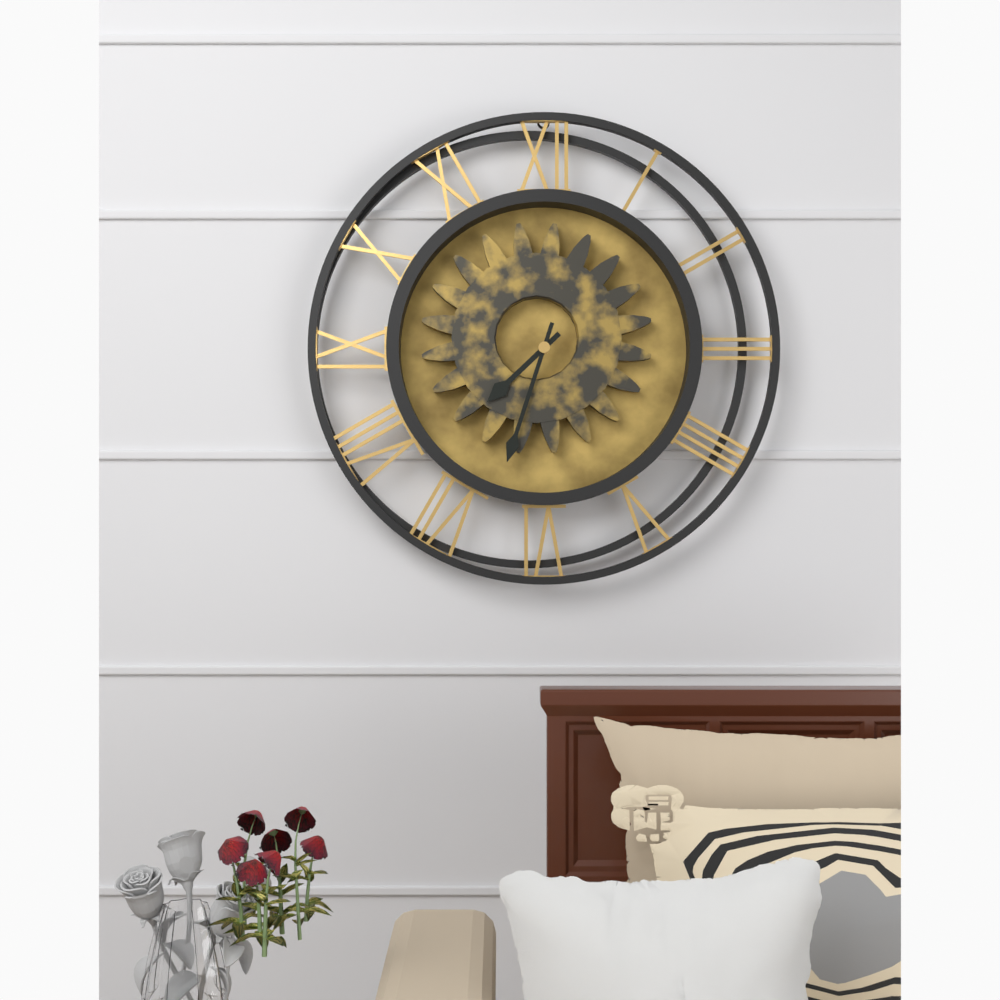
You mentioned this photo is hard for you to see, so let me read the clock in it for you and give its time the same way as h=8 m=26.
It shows h=7 m=33
